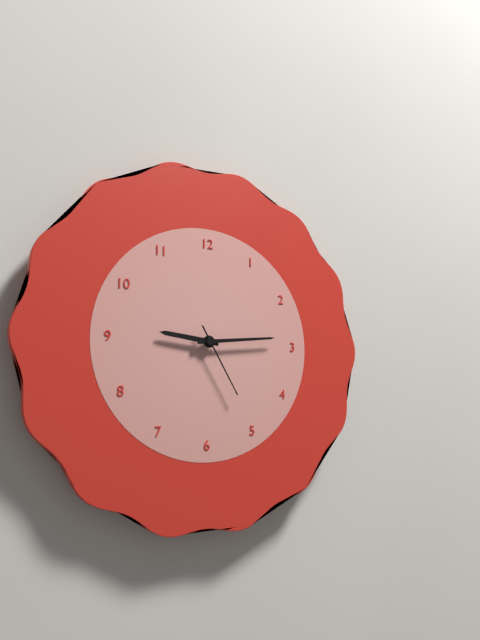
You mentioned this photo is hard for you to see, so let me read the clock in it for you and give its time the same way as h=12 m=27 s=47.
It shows h=9 m=14 s=25
